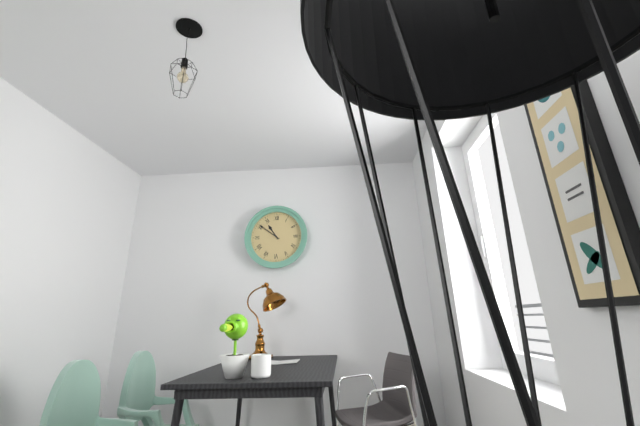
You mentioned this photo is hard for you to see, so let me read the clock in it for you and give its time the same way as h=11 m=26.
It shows h=10 m=51
